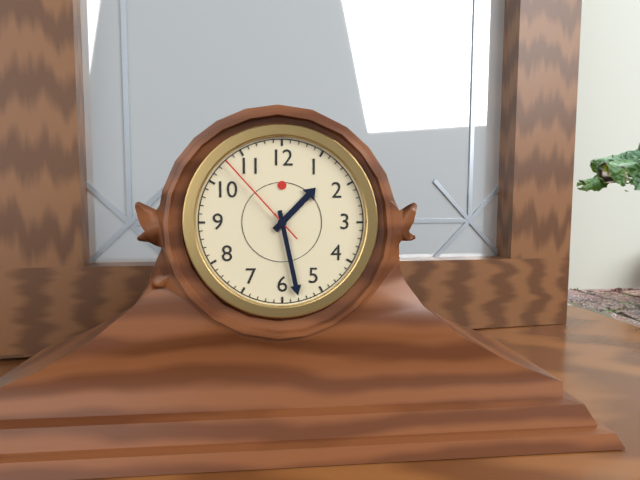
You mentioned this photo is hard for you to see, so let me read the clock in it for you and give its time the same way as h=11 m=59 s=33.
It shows h=1 m=28 s=53
